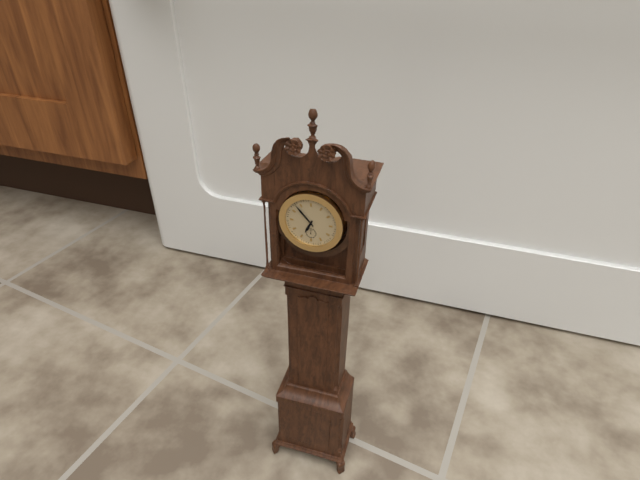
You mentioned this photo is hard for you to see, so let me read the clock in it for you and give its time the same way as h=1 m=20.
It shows h=6 m=53
